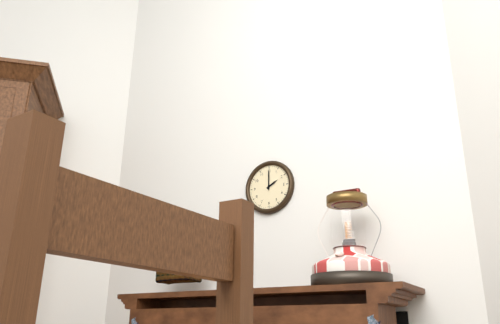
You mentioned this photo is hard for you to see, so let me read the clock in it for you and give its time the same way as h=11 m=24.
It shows h=2 m=0
